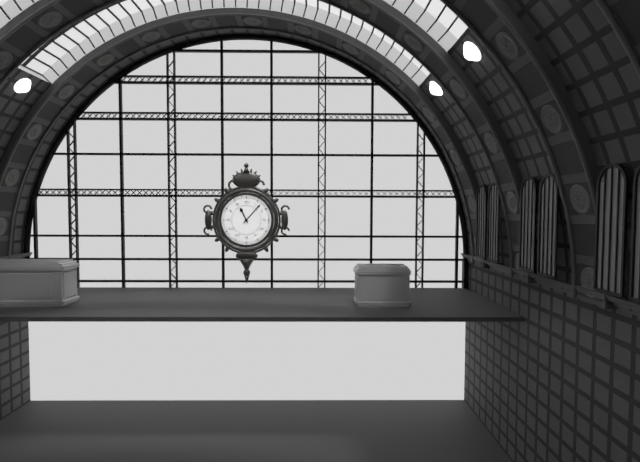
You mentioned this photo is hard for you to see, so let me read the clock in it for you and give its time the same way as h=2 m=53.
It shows h=11 m=7
